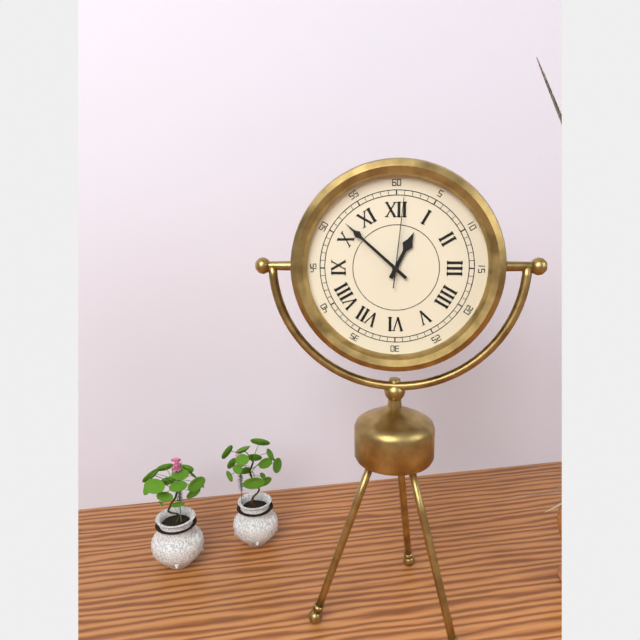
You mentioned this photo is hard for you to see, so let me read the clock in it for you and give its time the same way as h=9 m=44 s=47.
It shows h=12 m=52 s=1
